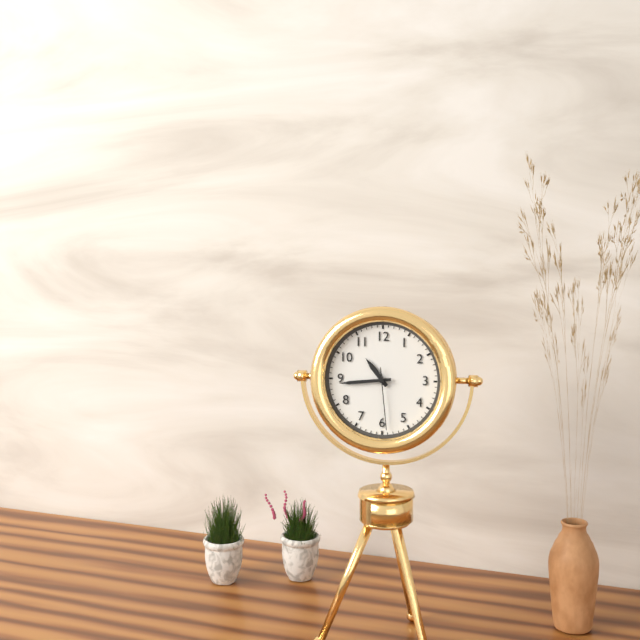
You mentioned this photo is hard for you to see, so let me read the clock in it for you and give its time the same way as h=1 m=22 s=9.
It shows h=10 m=44 s=29
